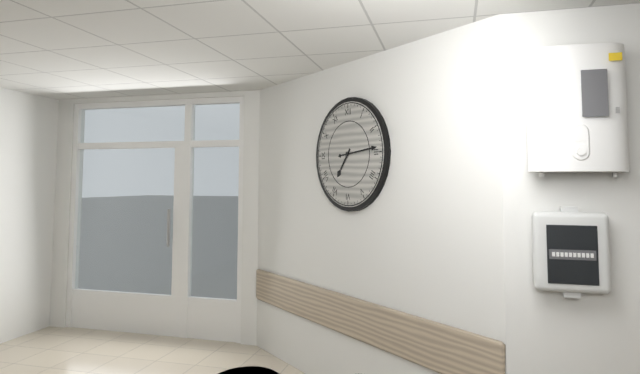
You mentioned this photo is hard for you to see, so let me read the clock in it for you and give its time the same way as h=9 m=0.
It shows h=7 m=14
